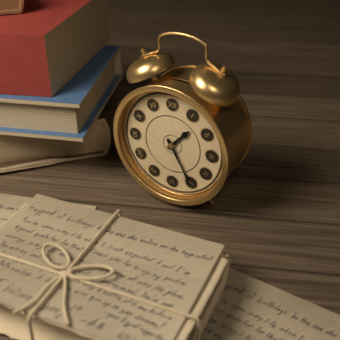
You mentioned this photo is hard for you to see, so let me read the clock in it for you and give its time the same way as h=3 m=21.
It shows h=1 m=25
